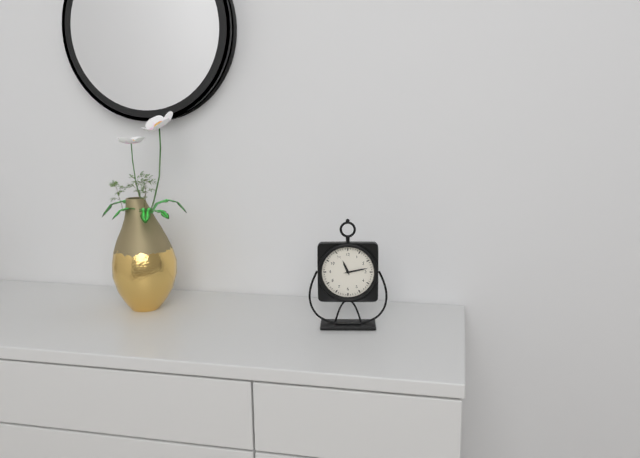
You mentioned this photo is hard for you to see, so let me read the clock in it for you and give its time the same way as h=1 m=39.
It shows h=11 m=13
